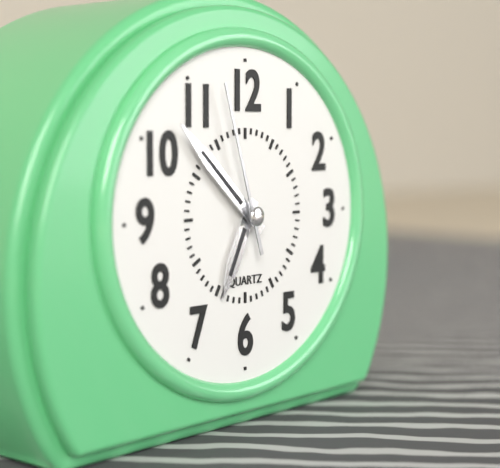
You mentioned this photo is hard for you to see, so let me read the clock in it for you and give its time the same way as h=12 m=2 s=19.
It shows h=6 m=52 s=57
